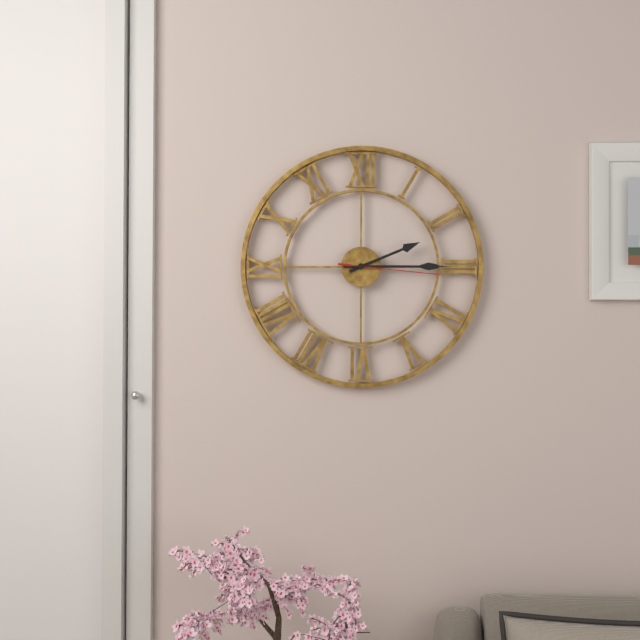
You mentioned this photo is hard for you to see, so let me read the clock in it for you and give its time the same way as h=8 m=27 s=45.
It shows h=2 m=15 s=16
